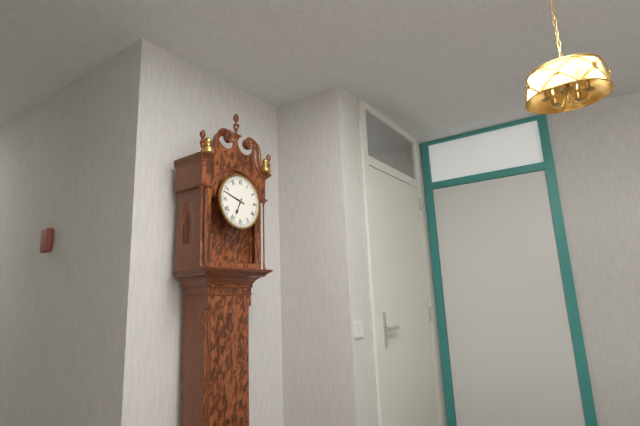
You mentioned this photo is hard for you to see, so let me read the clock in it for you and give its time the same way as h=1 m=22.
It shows h=6 m=48
